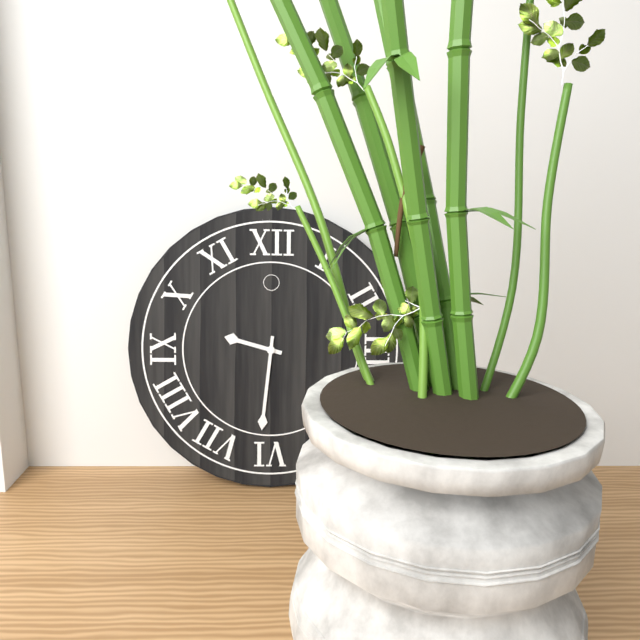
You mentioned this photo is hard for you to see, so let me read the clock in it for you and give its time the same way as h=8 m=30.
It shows h=9 m=31
